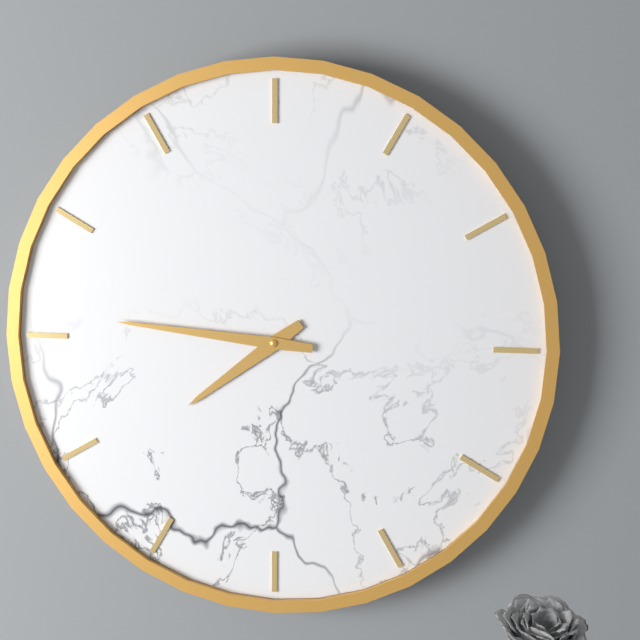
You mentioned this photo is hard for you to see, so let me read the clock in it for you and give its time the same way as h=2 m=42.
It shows h=7 m=46
